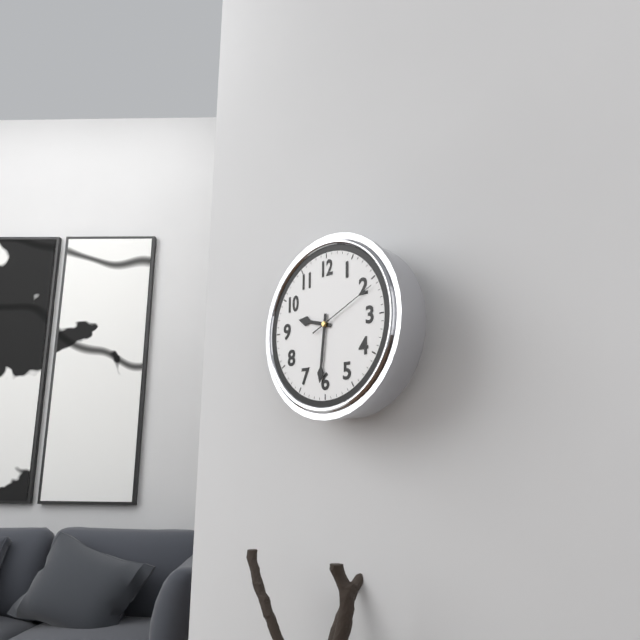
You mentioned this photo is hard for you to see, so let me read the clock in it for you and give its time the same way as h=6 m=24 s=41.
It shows h=9 m=31 s=11
